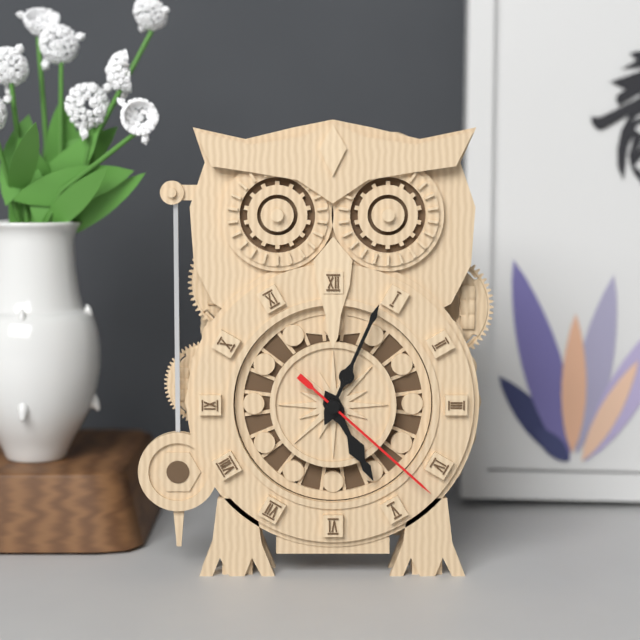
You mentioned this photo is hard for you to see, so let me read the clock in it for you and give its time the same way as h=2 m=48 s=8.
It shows h=5 m=4 s=22
